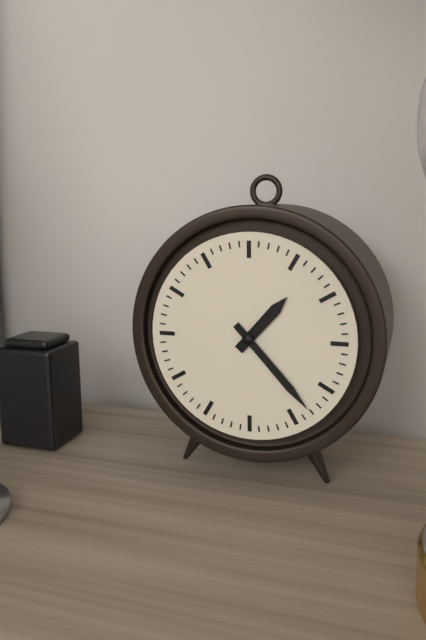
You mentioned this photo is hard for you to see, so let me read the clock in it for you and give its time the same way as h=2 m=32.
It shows h=1 m=23
